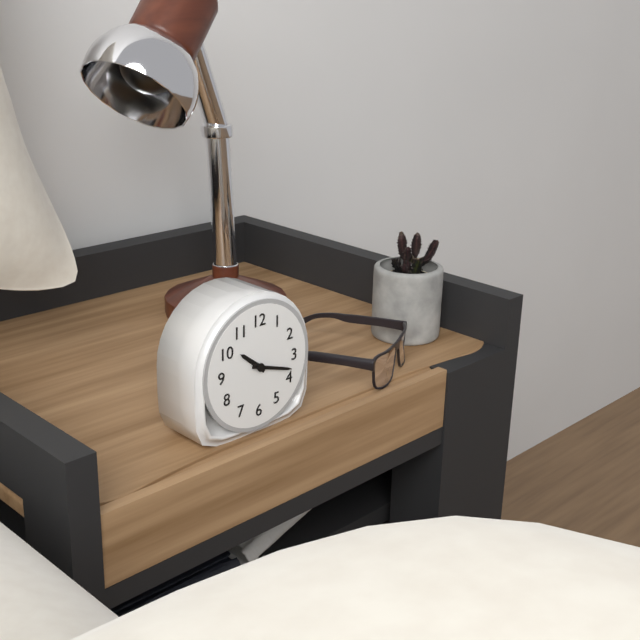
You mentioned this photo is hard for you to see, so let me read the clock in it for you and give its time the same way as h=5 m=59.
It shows h=10 m=18
